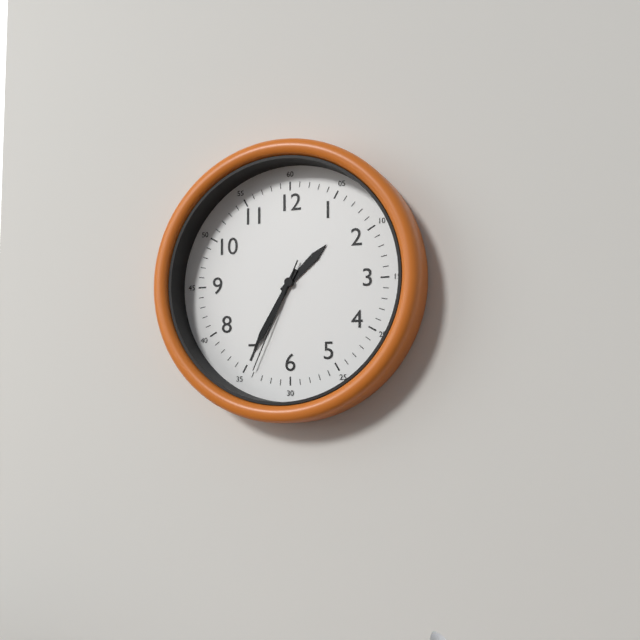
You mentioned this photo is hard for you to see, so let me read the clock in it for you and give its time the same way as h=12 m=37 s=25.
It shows h=1 m=35 s=34
